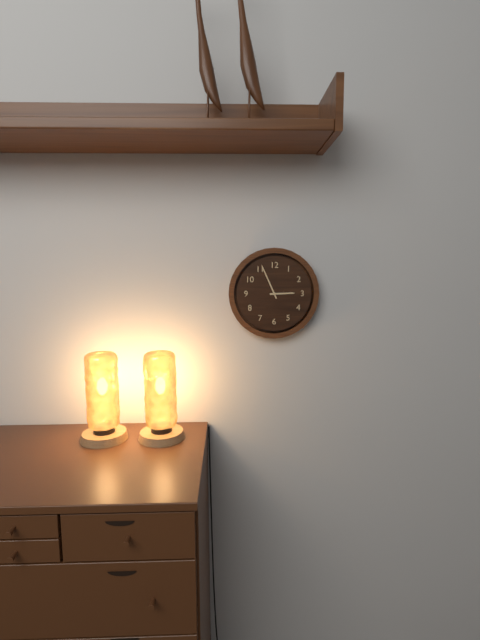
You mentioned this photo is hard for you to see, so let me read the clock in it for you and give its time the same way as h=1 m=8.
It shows h=2 m=56
